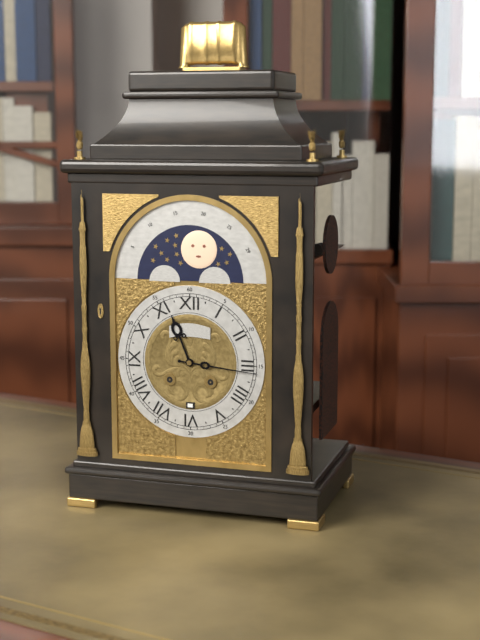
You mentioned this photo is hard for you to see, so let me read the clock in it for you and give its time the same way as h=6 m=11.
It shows h=11 m=16
